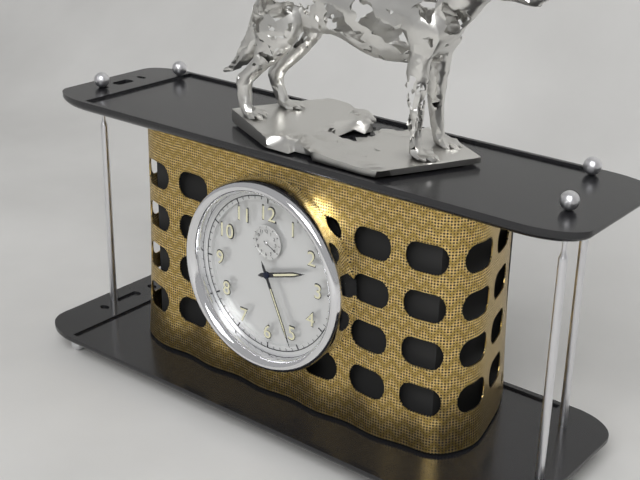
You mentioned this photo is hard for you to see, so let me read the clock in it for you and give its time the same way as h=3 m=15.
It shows h=2 m=26
